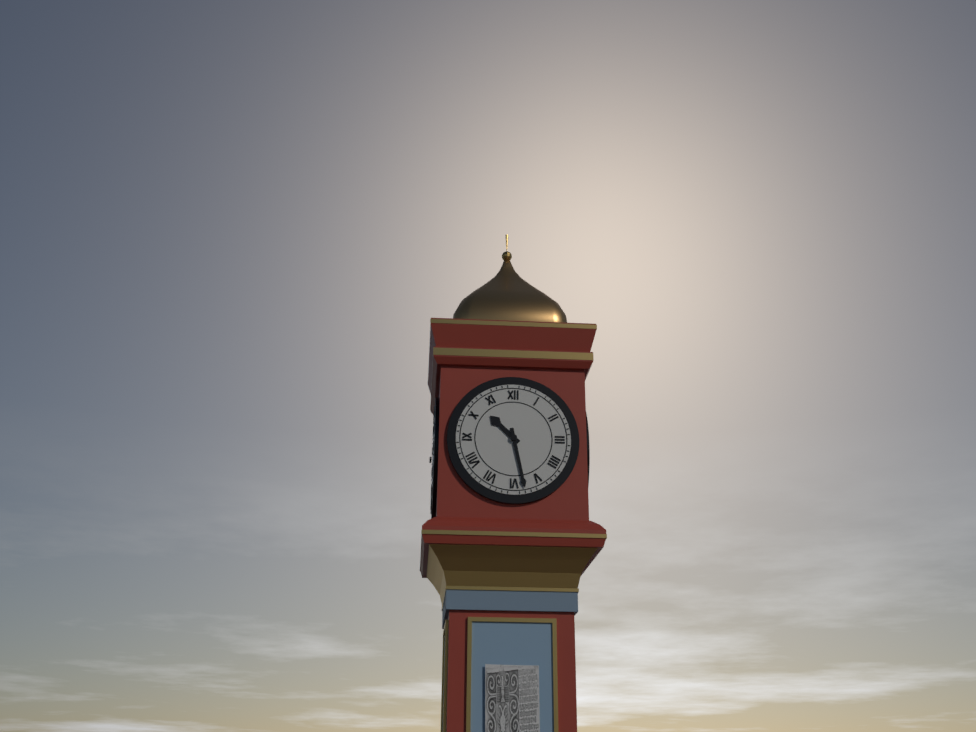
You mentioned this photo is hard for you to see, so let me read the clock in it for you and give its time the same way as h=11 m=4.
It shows h=10 m=28
